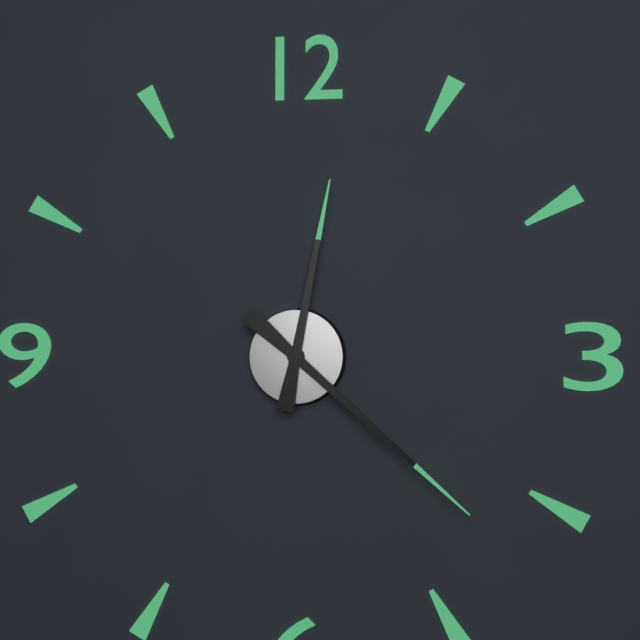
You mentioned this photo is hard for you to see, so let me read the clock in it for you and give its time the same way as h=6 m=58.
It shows h=12 m=22
